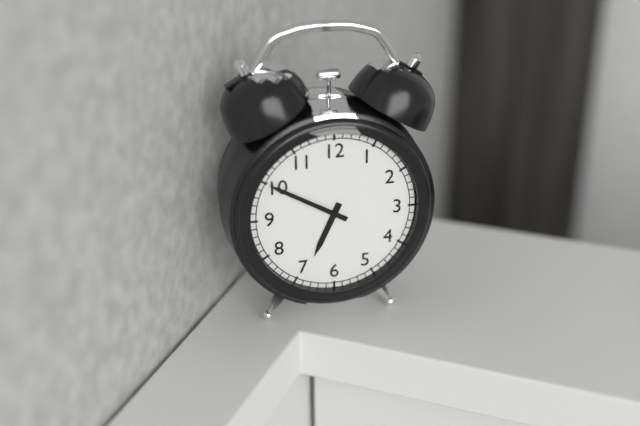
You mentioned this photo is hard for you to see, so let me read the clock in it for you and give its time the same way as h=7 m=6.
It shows h=6 m=50
